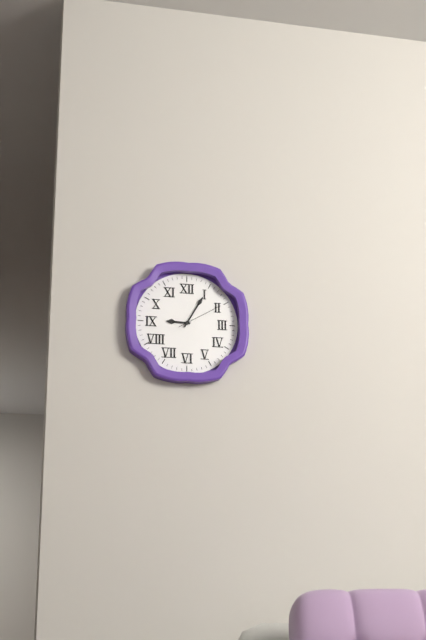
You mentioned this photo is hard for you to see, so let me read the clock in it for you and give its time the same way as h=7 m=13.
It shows h=9 m=5
